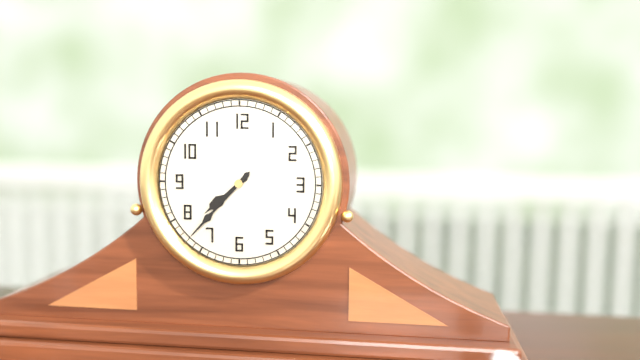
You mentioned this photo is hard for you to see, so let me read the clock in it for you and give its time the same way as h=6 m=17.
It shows h=7 m=37
